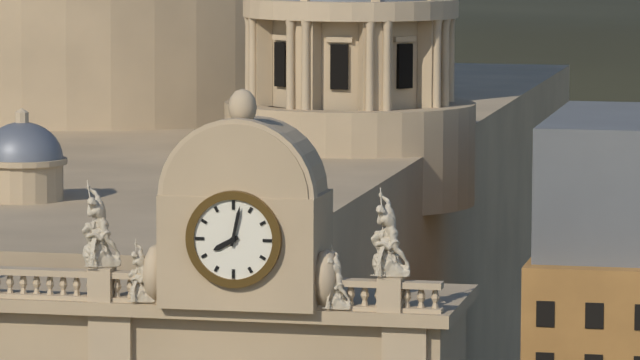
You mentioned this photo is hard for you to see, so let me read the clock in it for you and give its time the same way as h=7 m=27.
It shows h=8 m=2
